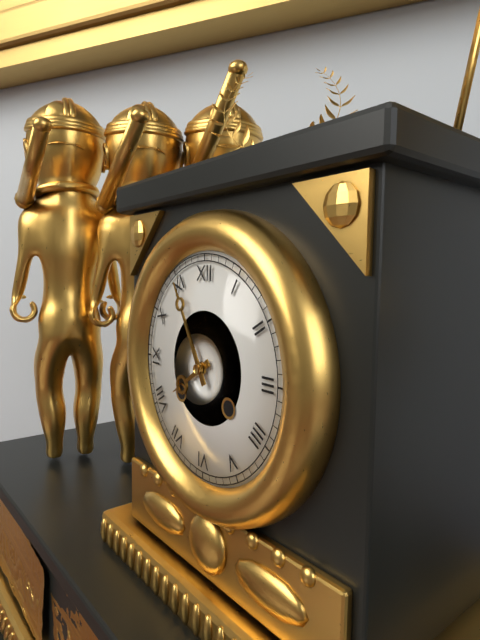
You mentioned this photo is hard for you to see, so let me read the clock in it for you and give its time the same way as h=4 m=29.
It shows h=7 m=55
